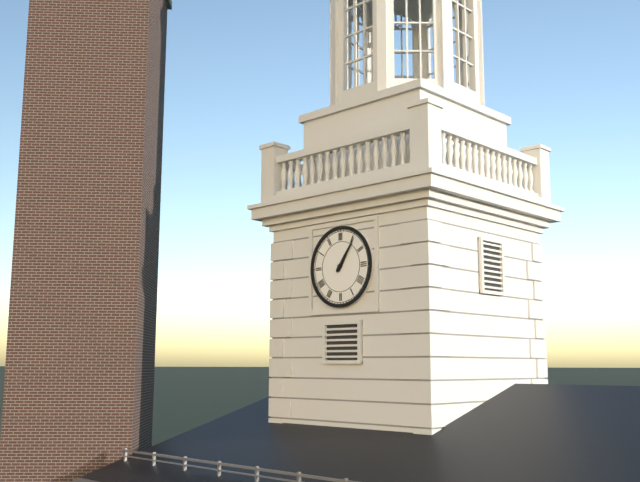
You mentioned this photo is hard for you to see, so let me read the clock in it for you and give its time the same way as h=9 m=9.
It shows h=1 m=6
